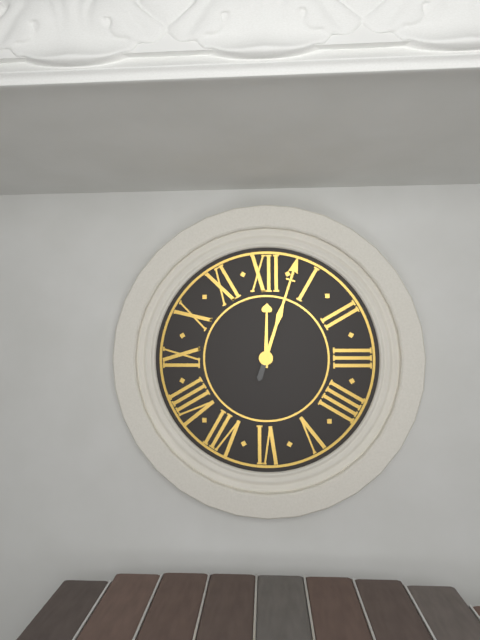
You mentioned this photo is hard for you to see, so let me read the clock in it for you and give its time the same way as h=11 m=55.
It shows h=12 m=3
